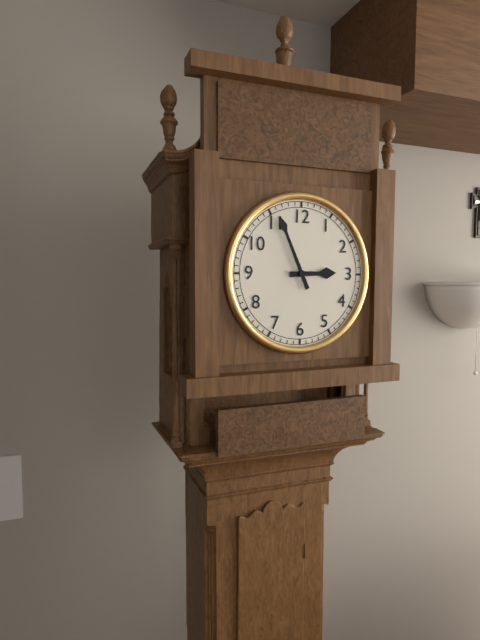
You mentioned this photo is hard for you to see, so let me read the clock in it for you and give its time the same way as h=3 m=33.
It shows h=2 m=56
